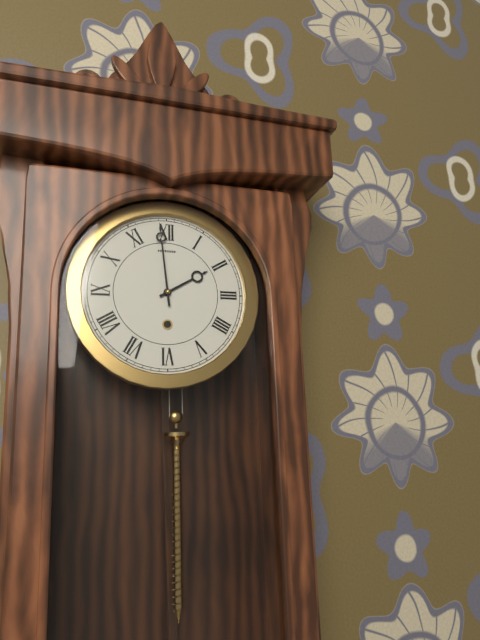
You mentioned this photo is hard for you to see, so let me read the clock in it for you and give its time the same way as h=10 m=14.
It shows h=1 m=59
